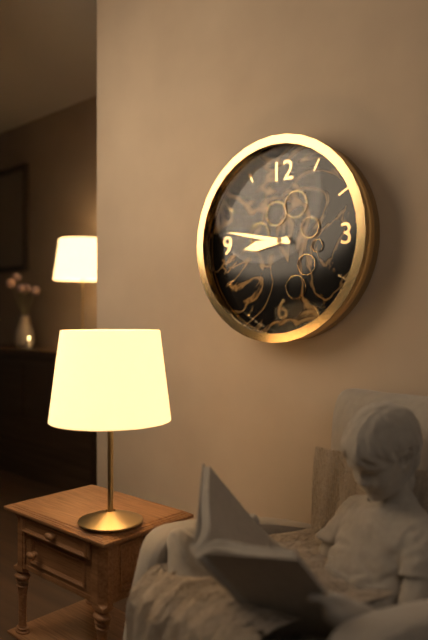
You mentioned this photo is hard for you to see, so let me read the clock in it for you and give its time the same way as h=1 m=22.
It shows h=8 m=47
